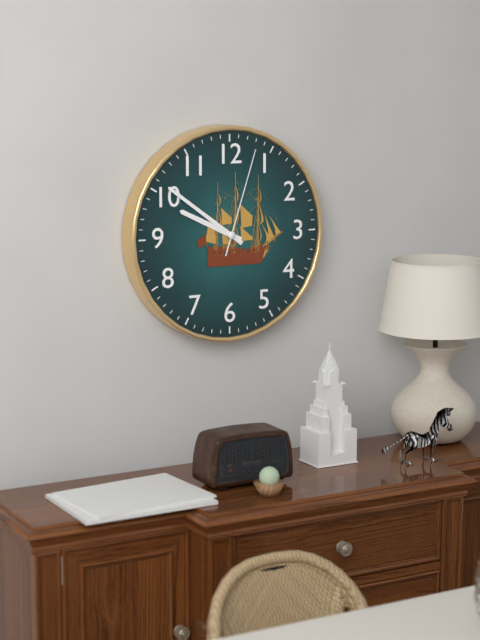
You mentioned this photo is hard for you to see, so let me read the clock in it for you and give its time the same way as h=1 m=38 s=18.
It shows h=9 m=51 s=3
